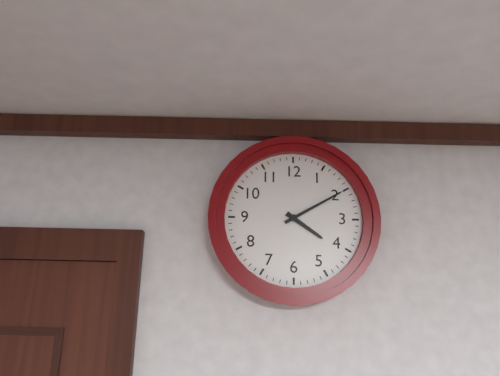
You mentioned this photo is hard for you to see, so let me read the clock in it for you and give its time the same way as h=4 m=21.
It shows h=4 m=10
